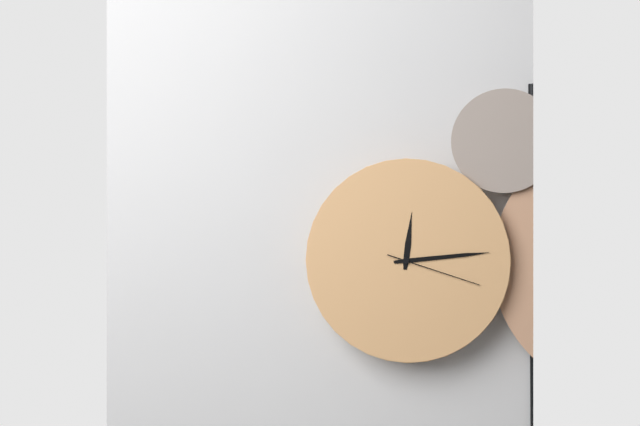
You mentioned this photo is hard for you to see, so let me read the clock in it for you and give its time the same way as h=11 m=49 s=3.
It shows h=12 m=14 s=18
